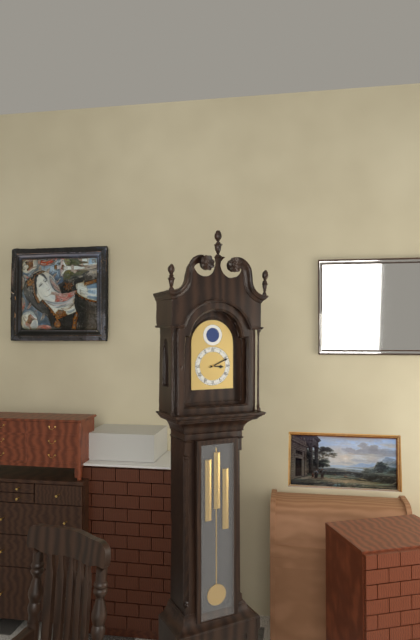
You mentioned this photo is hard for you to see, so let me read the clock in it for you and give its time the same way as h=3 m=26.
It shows h=3 m=11
